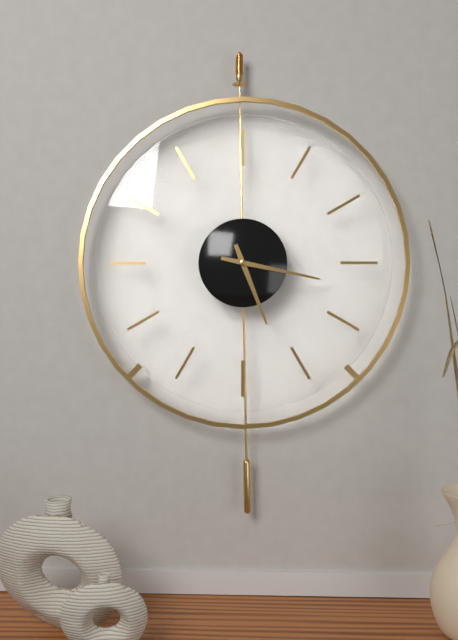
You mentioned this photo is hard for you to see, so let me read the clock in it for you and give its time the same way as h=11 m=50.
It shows h=5 m=17
